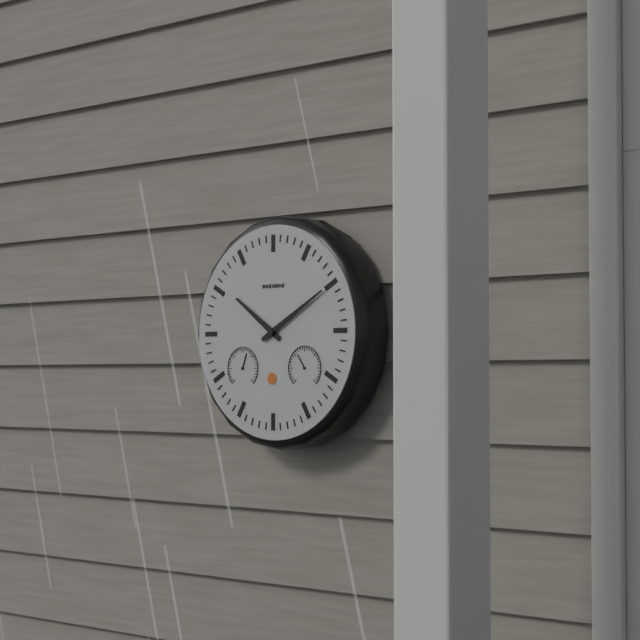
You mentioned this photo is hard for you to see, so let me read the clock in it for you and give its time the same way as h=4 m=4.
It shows h=10 m=10
